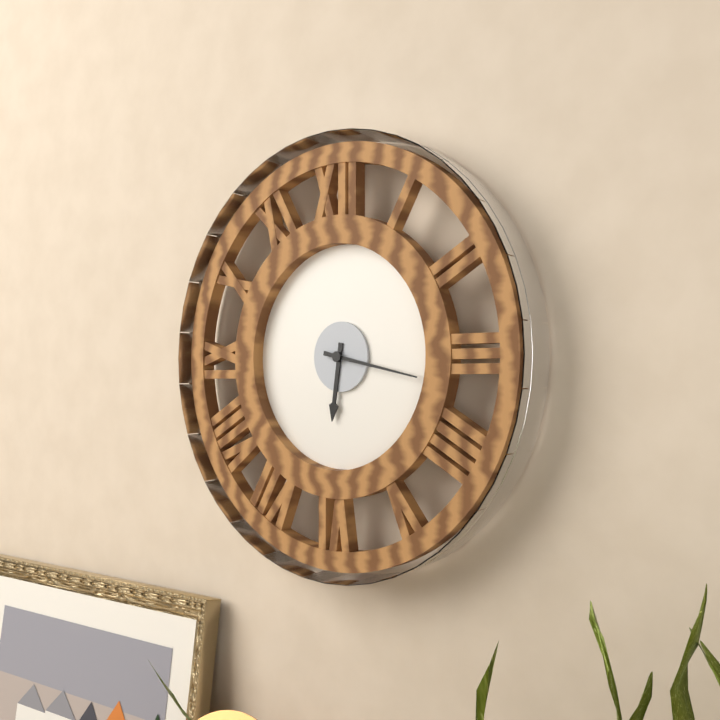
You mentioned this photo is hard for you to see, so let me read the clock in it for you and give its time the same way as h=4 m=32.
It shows h=6 m=17
